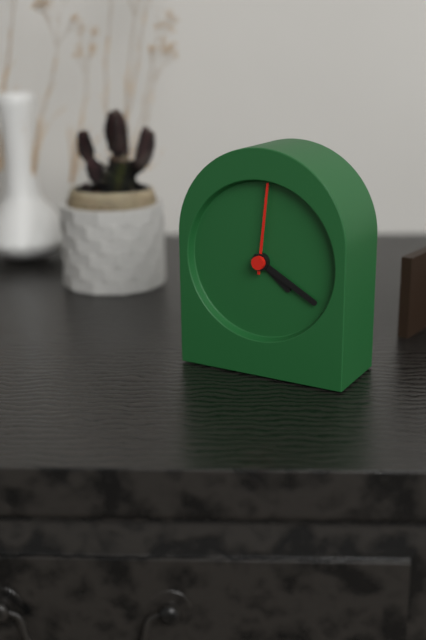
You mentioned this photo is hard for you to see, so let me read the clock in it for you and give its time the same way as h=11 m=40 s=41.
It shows h=4 m=20 s=1
